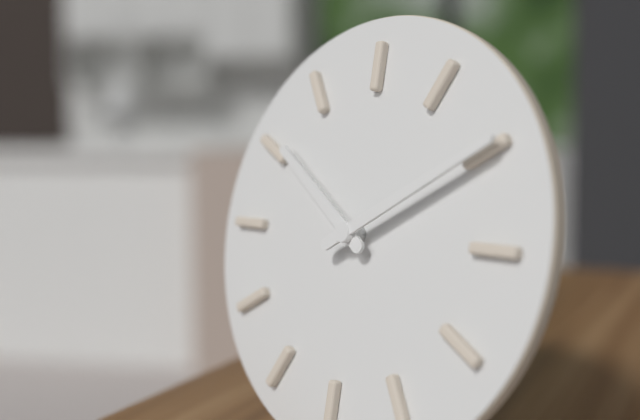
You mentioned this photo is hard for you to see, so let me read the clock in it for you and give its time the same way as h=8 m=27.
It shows h=10 m=10
